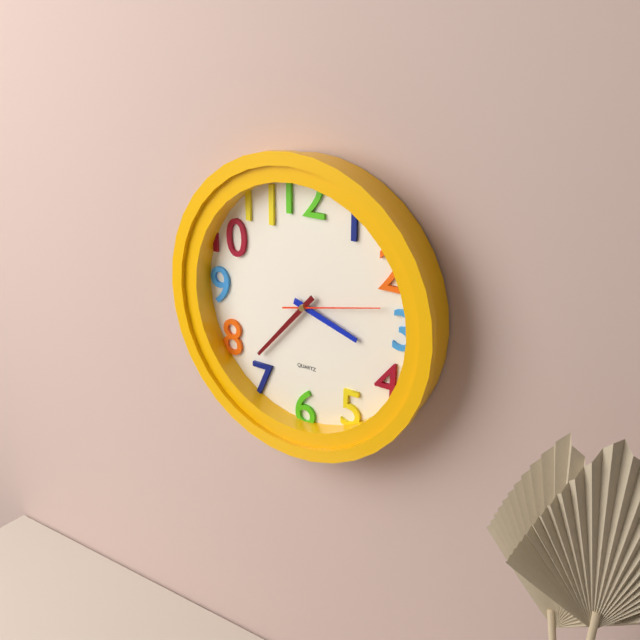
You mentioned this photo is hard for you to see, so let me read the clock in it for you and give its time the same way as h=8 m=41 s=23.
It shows h=3 m=37 s=13
